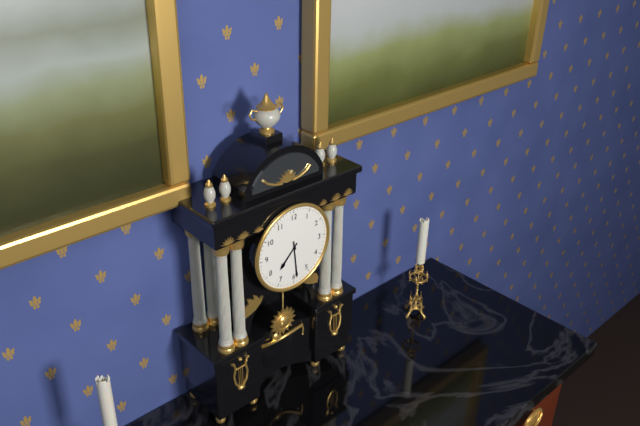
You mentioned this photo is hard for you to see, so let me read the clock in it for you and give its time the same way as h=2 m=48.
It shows h=7 m=29
